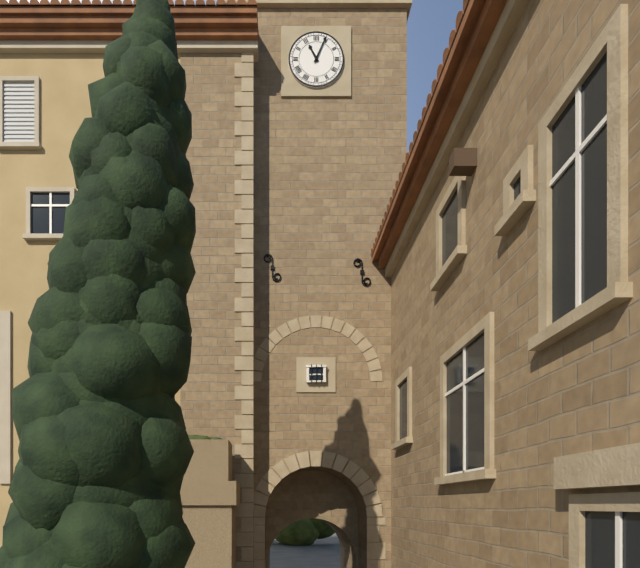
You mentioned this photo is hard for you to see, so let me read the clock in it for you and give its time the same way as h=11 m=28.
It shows h=11 m=4
